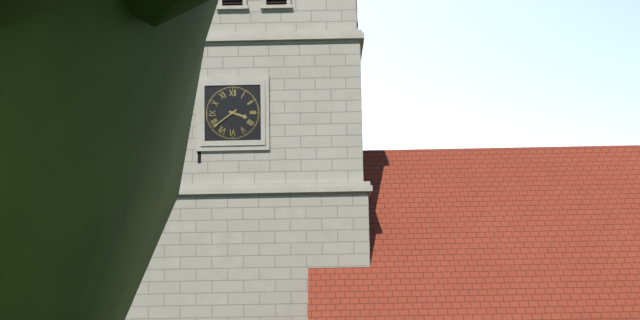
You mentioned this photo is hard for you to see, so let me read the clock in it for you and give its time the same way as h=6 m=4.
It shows h=3 m=39
